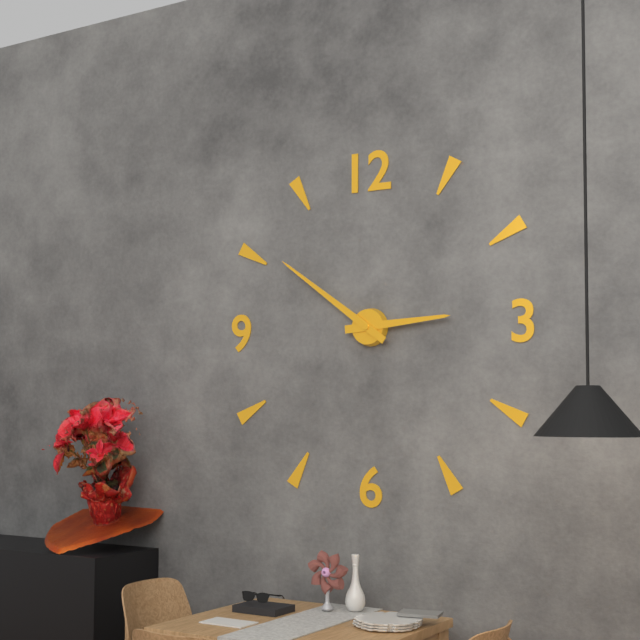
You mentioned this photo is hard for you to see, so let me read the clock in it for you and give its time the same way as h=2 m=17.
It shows h=2 m=51
